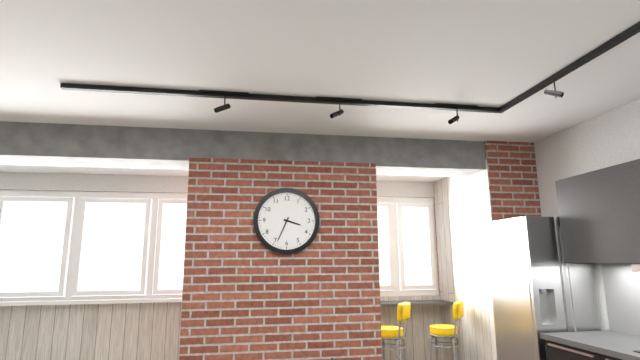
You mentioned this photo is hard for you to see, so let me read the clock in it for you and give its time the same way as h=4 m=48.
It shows h=3 m=34
